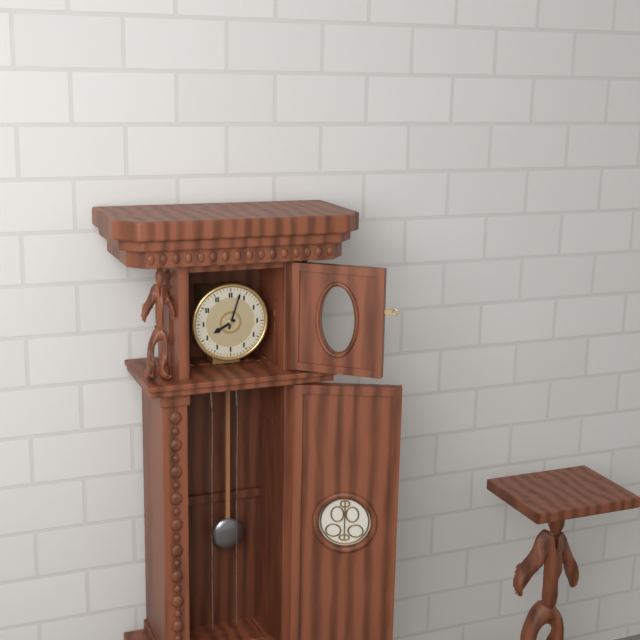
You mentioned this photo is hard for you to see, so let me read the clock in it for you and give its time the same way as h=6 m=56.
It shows h=8 m=3
